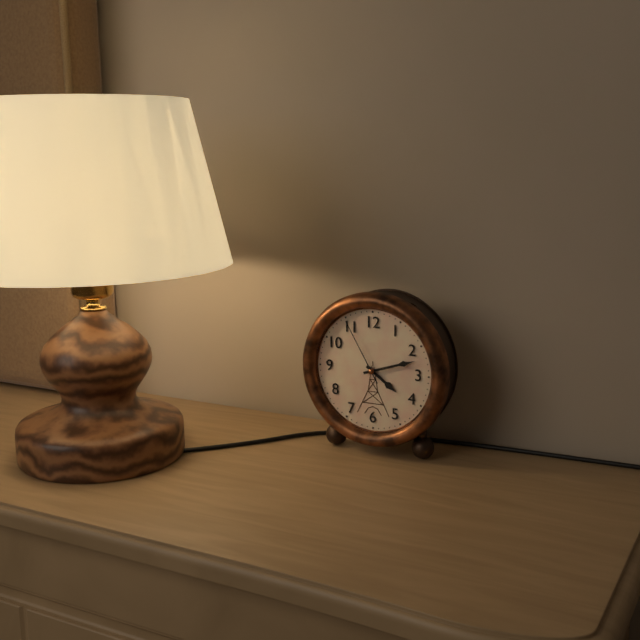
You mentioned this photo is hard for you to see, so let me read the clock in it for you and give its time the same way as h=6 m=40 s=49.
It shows h=4 m=12 s=55
